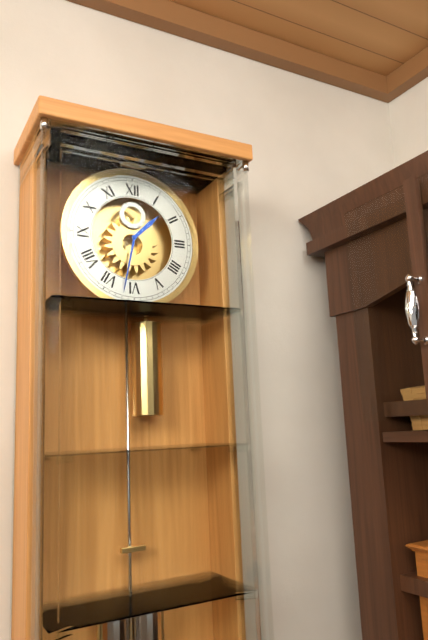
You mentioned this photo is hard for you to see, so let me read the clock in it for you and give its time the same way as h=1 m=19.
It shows h=1 m=32
